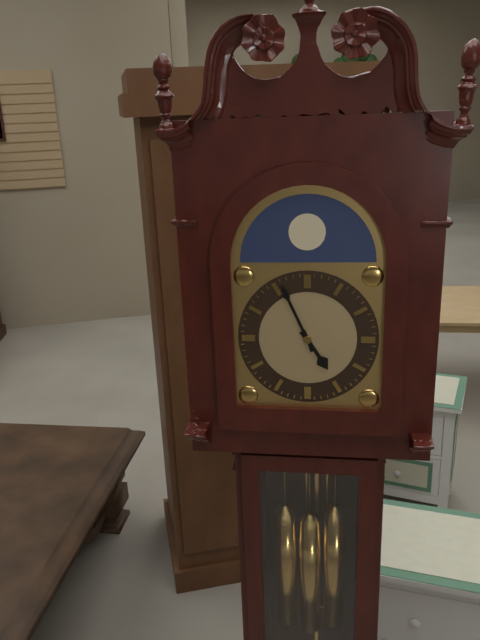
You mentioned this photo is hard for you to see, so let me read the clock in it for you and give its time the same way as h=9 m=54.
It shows h=4 m=56
